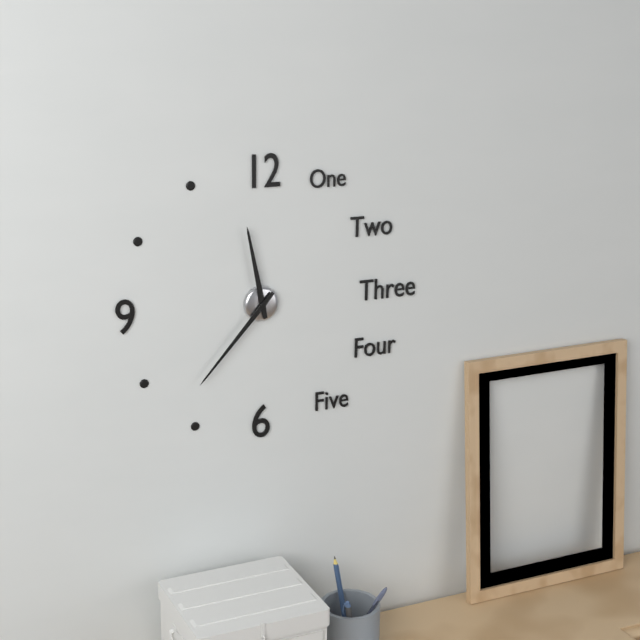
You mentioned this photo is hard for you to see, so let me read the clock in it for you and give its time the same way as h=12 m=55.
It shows h=11 m=37
